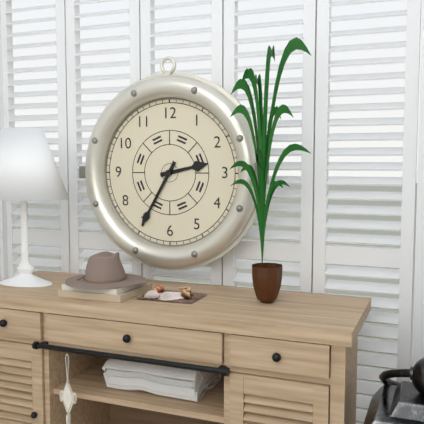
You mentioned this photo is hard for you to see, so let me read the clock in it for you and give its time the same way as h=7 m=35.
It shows h=2 m=35
